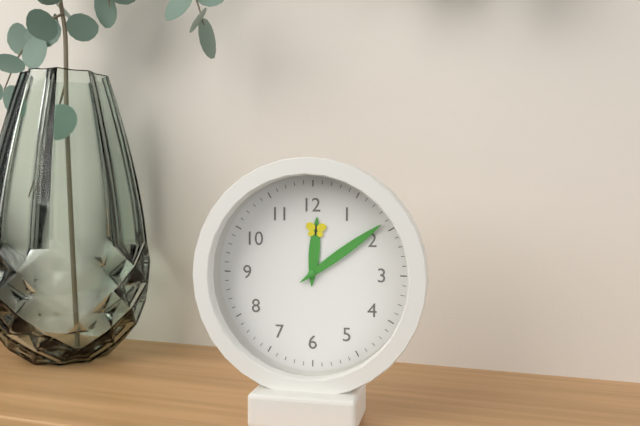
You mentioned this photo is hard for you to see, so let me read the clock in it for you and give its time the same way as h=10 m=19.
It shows h=12 m=9
